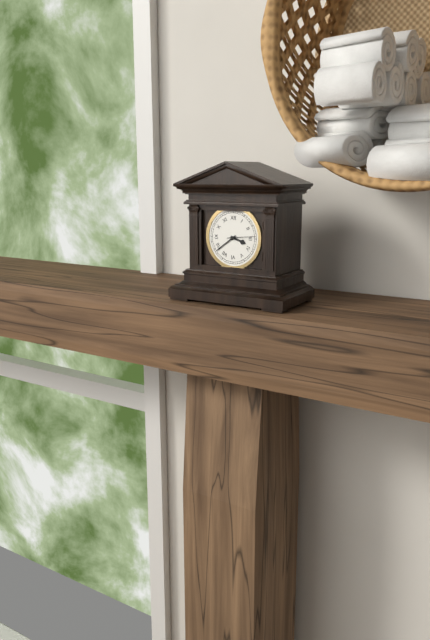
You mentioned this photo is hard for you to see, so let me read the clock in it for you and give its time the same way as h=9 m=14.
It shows h=3 m=39
